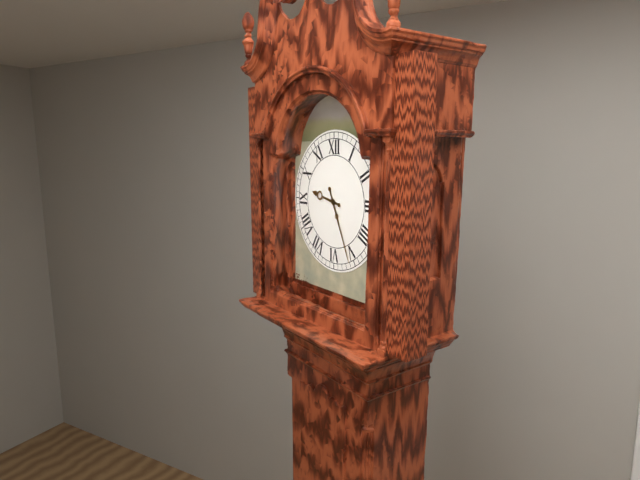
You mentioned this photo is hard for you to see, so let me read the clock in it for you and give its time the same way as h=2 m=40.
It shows h=9 m=26
